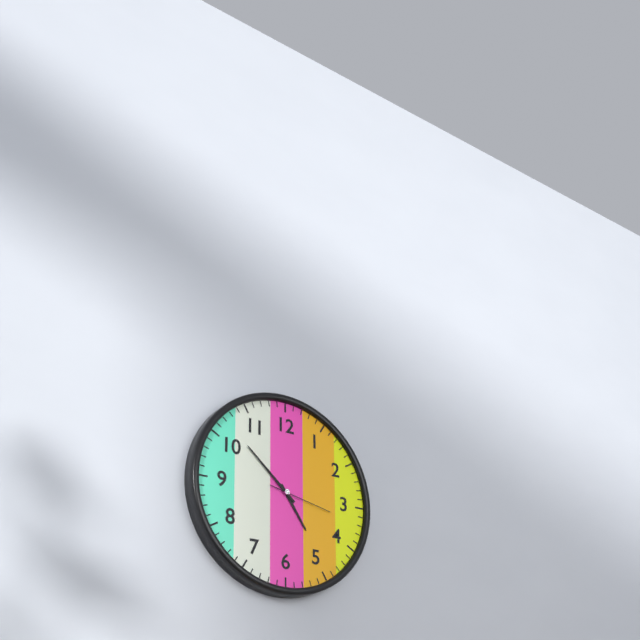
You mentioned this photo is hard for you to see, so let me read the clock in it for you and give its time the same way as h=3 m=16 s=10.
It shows h=4 m=52 s=17
